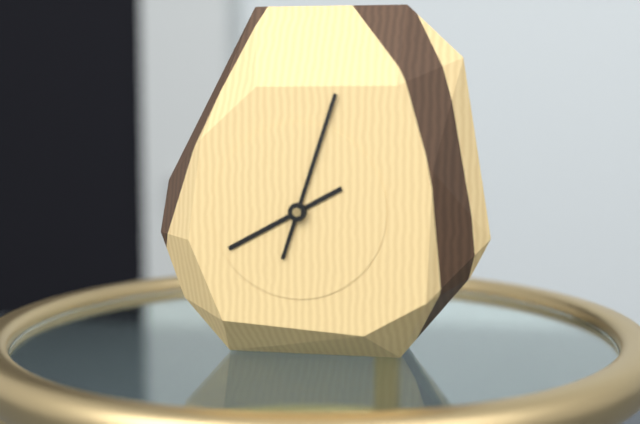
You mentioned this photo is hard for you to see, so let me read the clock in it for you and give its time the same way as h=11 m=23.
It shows h=8 m=3
